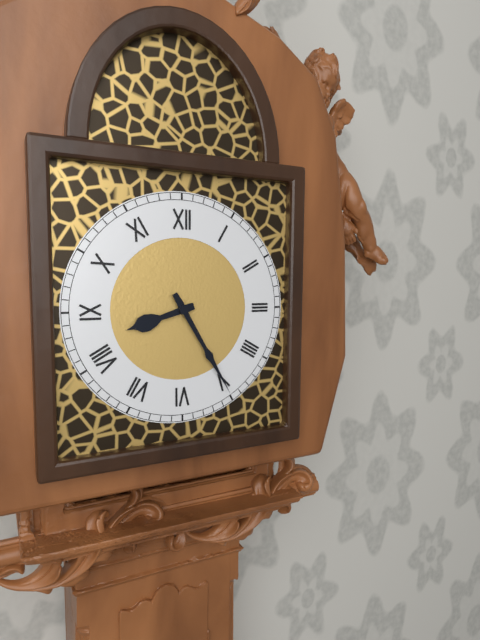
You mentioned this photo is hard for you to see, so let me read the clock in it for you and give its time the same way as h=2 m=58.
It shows h=8 m=25
